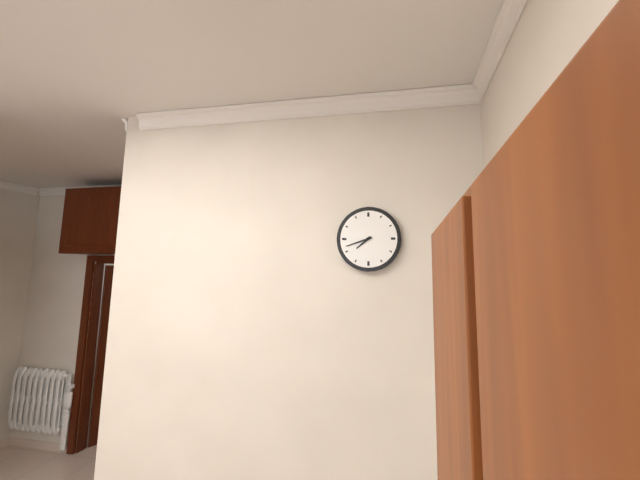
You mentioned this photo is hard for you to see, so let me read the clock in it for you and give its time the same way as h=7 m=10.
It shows h=7 m=42
